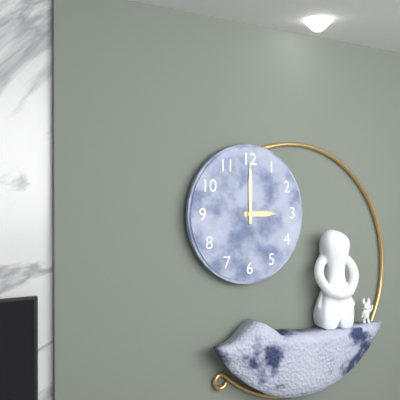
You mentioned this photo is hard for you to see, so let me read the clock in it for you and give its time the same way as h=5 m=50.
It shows h=3 m=0
